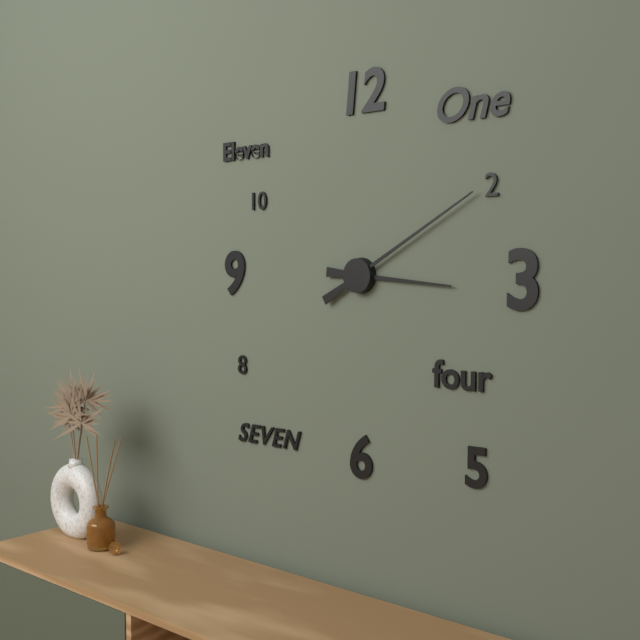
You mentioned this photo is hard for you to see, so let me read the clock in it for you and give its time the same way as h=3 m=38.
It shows h=3 m=10
